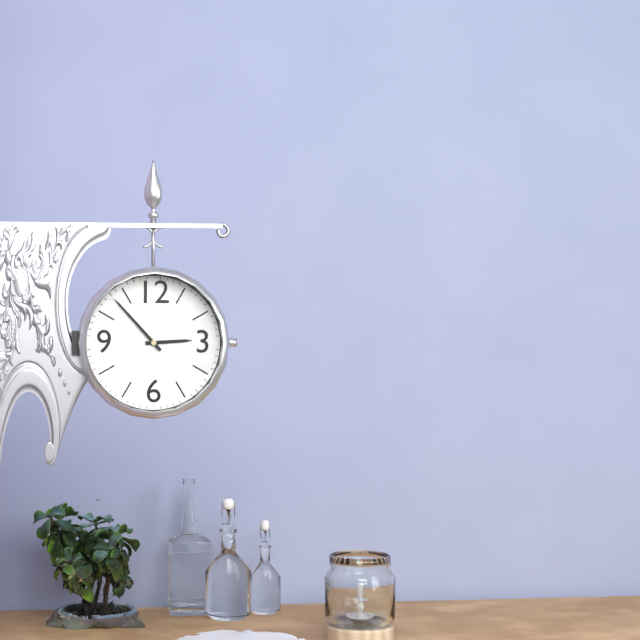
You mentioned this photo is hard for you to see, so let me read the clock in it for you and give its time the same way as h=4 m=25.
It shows h=2 m=53
